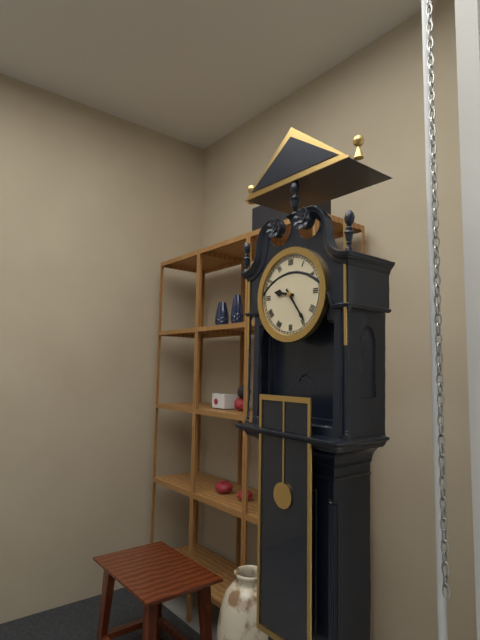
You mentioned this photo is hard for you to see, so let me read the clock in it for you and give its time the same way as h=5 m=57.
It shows h=9 m=24
